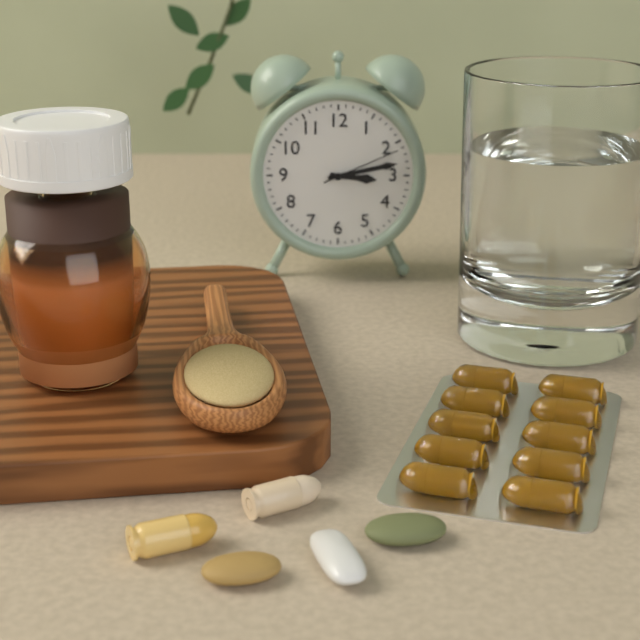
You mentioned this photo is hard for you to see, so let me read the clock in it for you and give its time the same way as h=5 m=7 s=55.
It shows h=3 m=13 s=11
